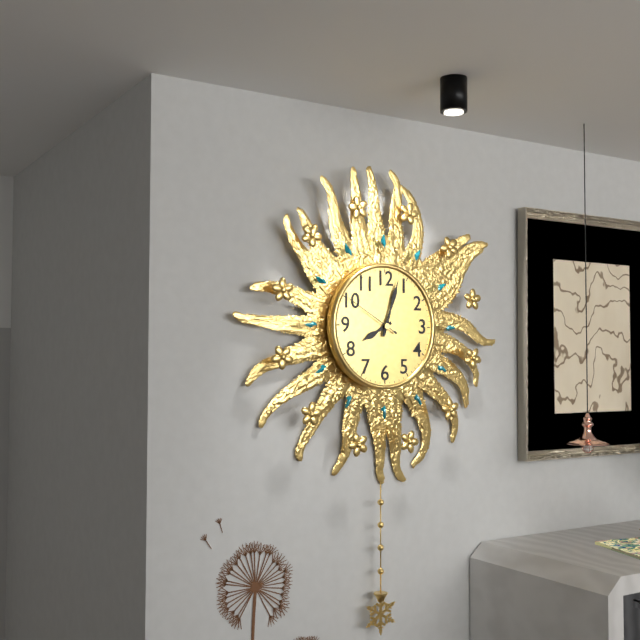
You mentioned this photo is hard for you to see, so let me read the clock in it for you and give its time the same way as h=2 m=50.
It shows h=8 m=3
